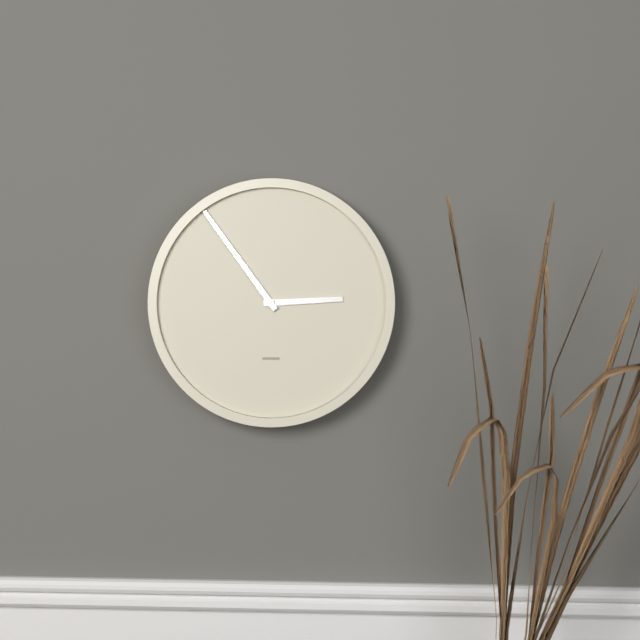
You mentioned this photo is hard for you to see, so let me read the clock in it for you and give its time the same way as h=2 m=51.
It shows h=2 m=54
